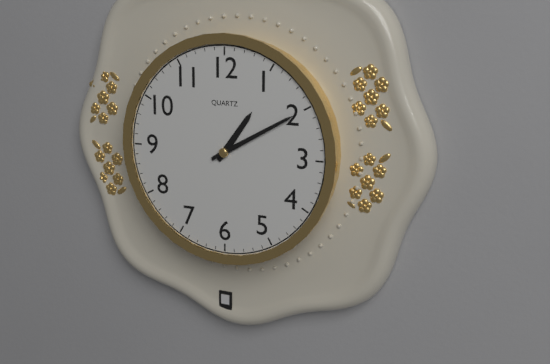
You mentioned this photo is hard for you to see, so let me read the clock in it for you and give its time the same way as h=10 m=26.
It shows h=1 m=10
